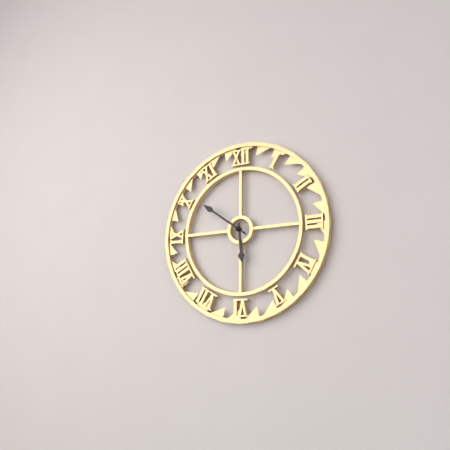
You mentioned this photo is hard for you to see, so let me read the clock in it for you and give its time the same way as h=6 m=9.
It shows h=5 m=51
